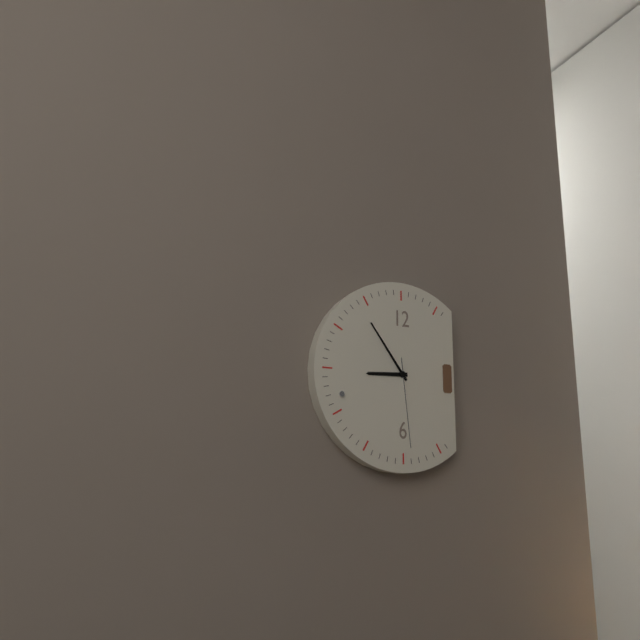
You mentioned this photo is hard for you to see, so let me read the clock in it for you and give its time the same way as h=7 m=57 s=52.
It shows h=8 m=54 s=29
